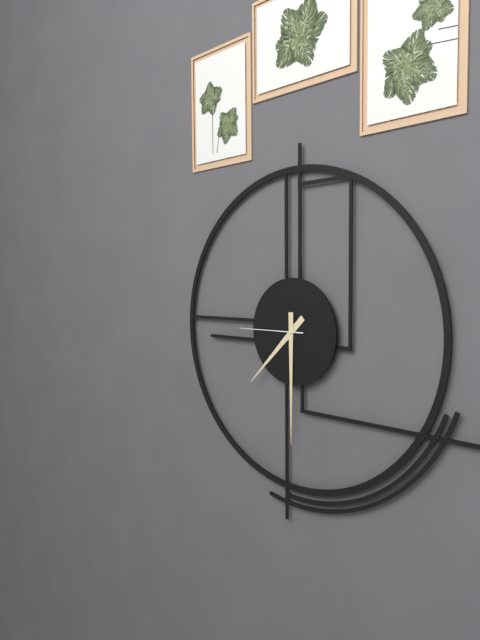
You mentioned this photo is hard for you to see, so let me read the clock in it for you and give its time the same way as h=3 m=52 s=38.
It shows h=7 m=30 s=45
